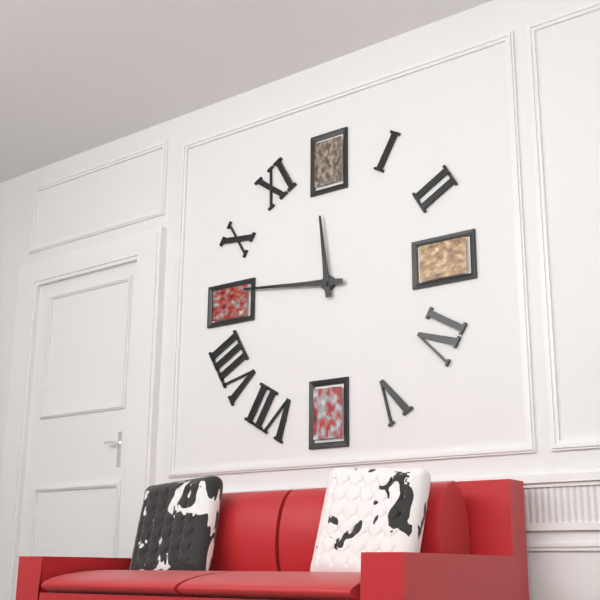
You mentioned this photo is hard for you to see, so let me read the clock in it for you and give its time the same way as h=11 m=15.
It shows h=11 m=46
